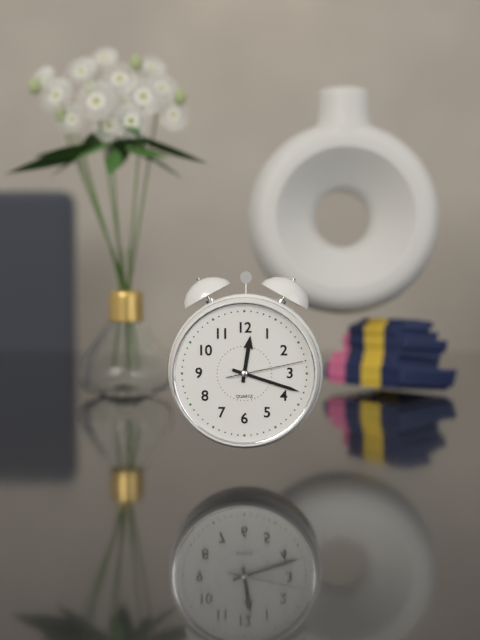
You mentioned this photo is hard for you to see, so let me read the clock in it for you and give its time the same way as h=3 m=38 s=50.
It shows h=12 m=18 s=13
